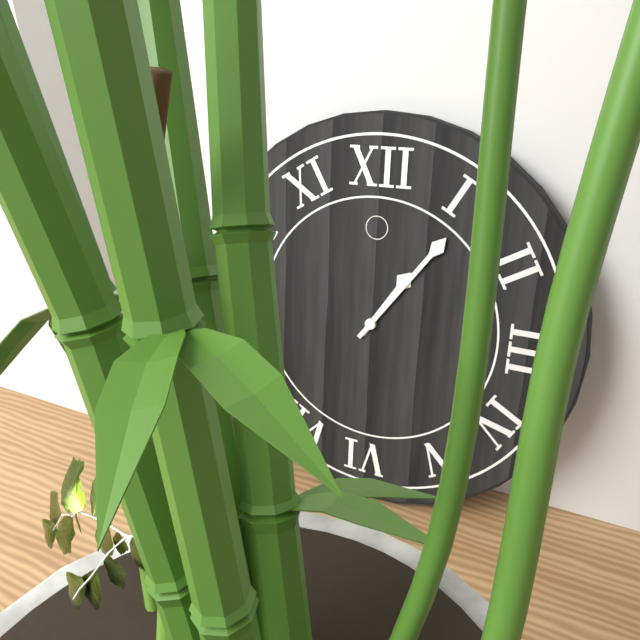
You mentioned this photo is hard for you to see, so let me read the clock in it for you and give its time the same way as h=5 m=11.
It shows h=1 m=6
